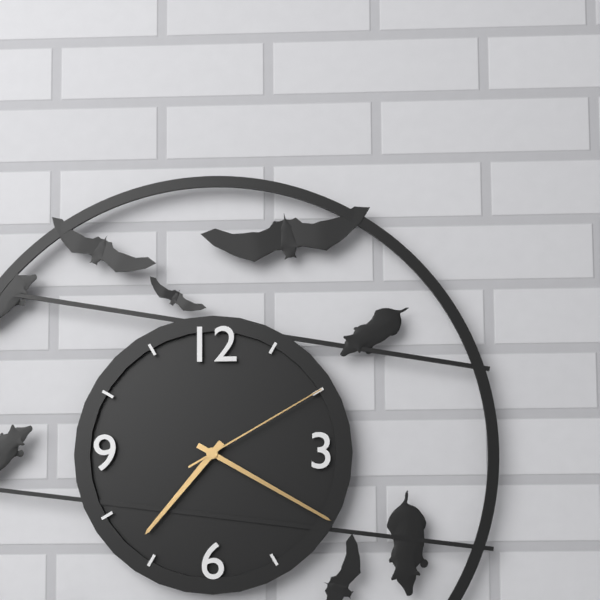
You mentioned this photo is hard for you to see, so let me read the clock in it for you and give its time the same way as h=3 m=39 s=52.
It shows h=7 m=20 s=10
